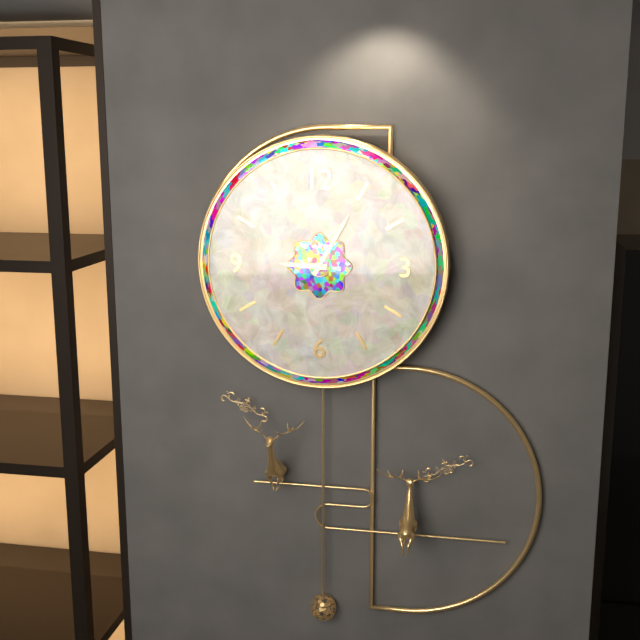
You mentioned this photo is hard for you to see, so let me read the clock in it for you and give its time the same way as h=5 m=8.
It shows h=9 m=5
